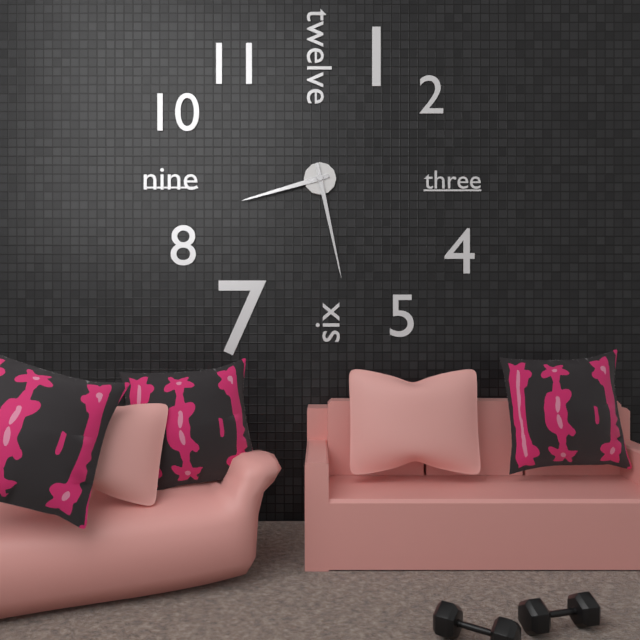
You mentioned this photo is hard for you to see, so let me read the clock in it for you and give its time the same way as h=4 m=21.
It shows h=8 m=28
